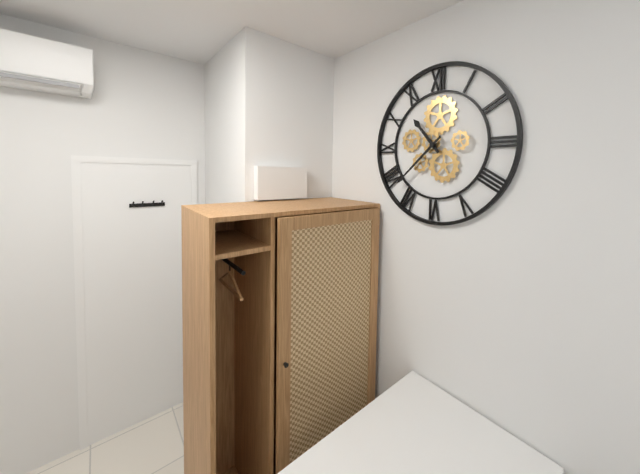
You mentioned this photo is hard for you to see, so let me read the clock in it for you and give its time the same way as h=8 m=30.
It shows h=10 m=38
